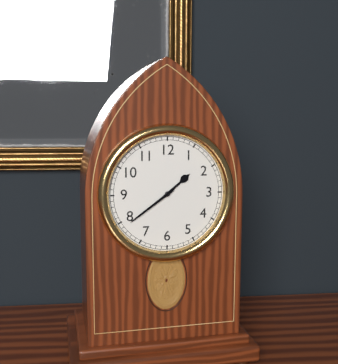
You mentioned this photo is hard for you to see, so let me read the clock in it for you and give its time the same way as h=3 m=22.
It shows h=1 m=39
